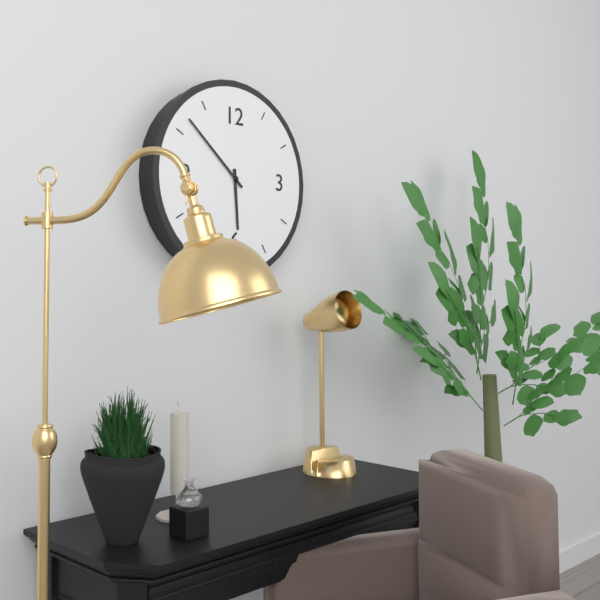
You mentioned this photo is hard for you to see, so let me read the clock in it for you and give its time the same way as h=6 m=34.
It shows h=5 m=52
